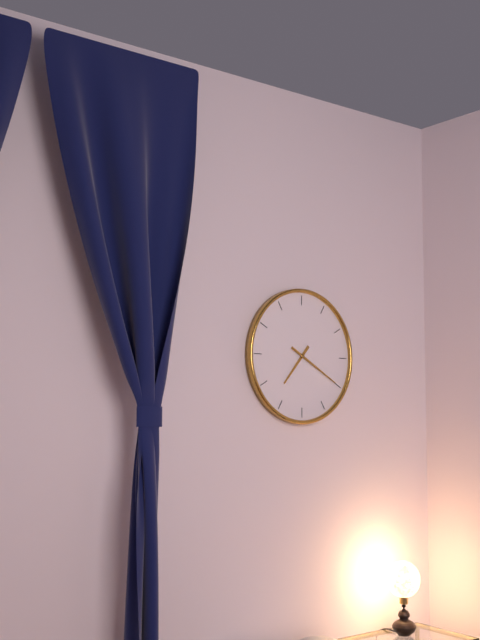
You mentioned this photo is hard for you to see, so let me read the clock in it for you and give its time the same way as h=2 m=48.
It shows h=7 m=20
